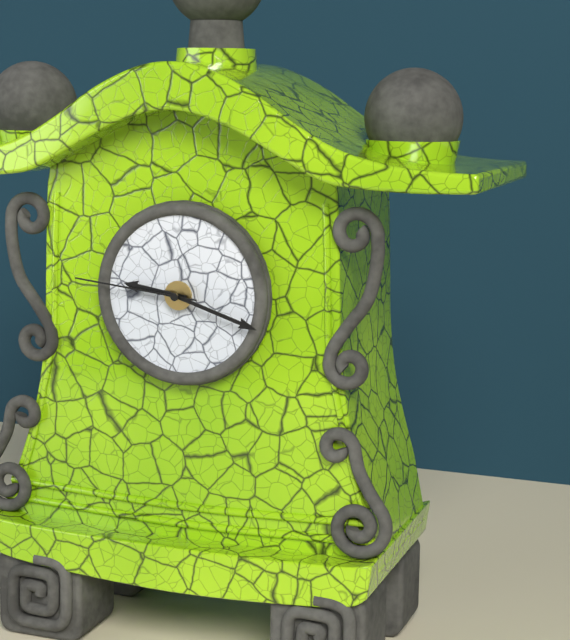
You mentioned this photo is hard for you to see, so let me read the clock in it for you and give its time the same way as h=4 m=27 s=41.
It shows h=9 m=18 s=46
